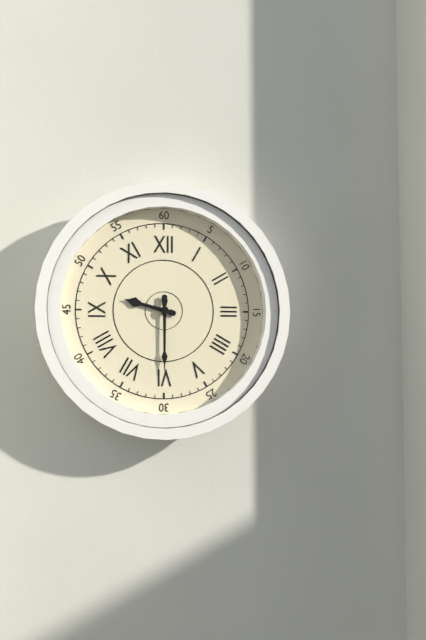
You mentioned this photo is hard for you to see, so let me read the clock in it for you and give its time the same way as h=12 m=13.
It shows h=9 m=30
